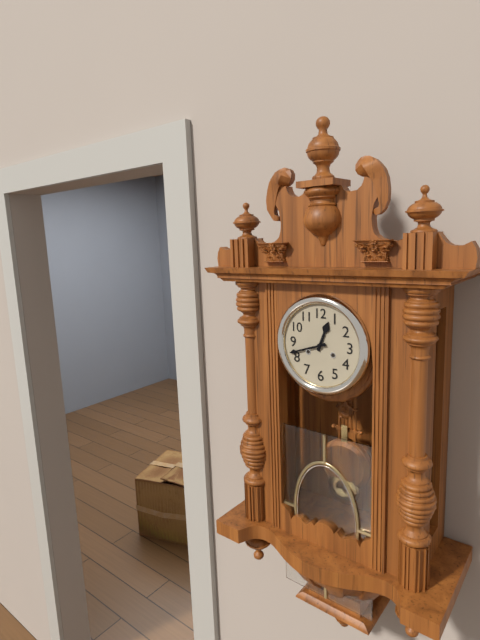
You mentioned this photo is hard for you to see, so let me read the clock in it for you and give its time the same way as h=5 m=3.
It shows h=12 m=42
